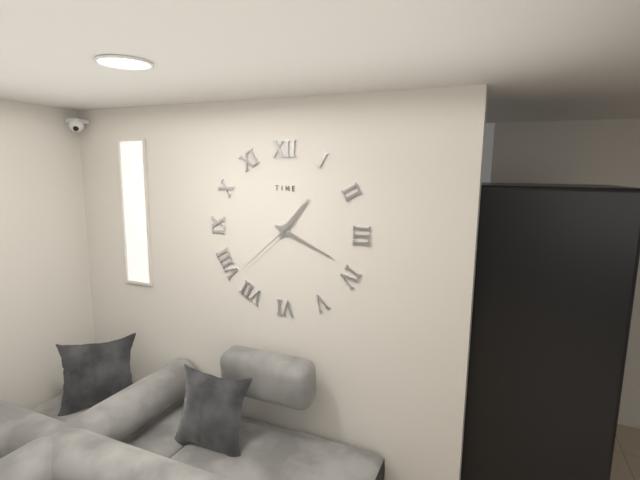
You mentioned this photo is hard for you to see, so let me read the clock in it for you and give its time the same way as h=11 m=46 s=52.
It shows h=1 m=19 s=38
